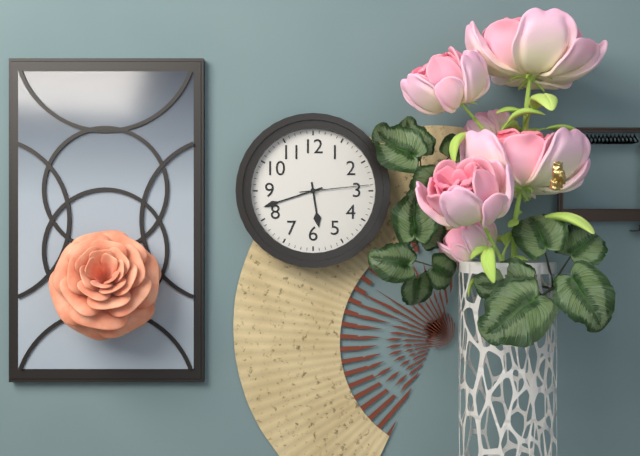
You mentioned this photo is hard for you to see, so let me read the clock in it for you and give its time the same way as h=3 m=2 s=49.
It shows h=5 m=42 s=14
